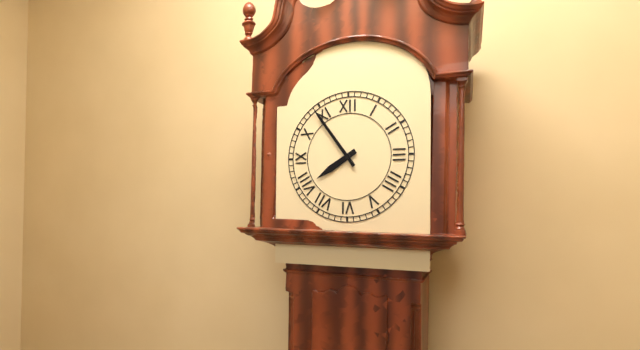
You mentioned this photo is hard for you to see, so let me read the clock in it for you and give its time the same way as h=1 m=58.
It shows h=7 m=54
